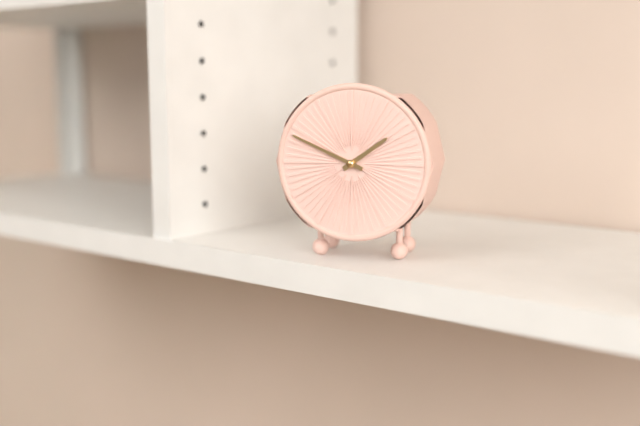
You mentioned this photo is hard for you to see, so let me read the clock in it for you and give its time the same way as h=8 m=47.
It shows h=1 m=49
